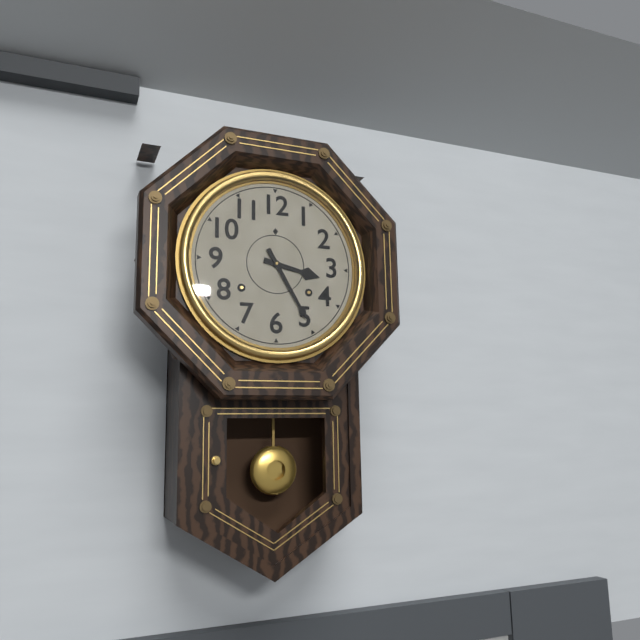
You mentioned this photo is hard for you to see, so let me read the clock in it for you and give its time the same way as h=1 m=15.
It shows h=3 m=25
